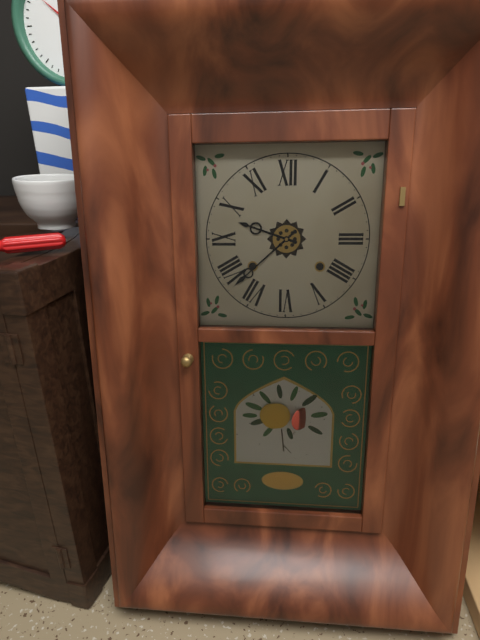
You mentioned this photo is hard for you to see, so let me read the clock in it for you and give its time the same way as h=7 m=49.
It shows h=9 m=38
